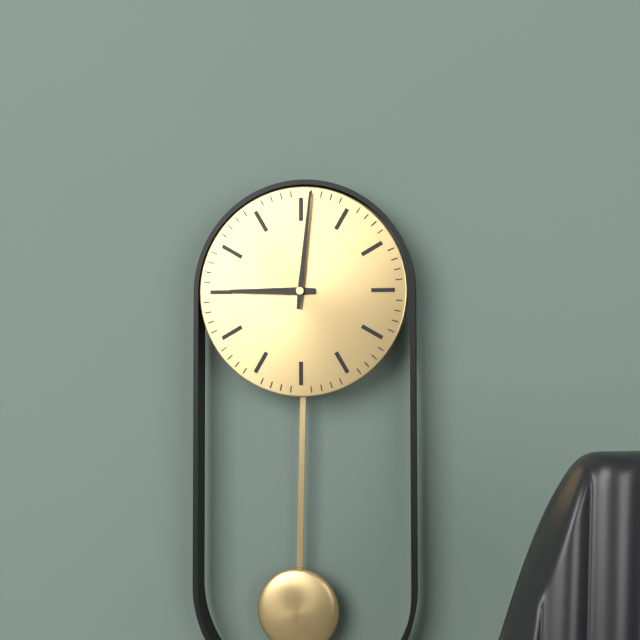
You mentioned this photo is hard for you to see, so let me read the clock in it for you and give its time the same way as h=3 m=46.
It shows h=9 m=1
